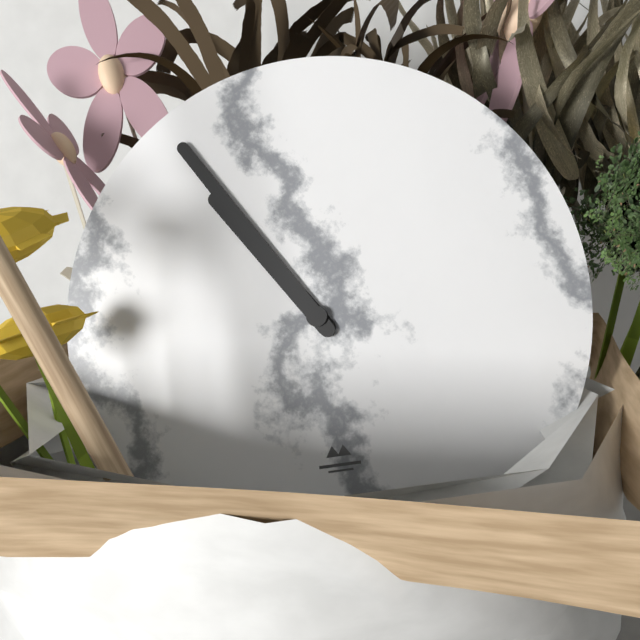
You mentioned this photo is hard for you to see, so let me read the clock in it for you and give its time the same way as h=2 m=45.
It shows h=10 m=55
